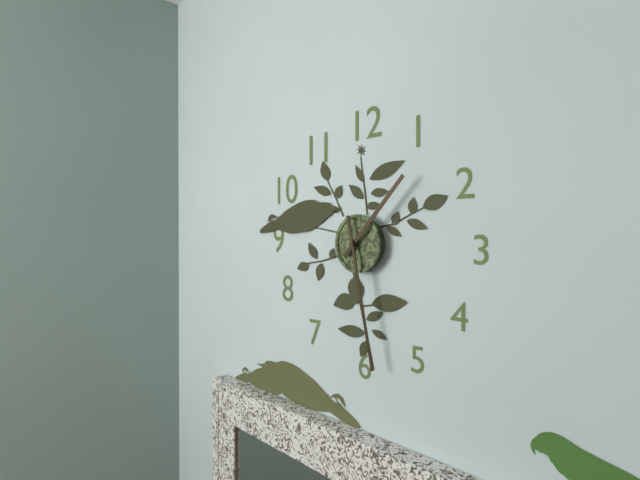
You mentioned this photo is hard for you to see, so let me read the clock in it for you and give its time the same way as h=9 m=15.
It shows h=1 m=28
